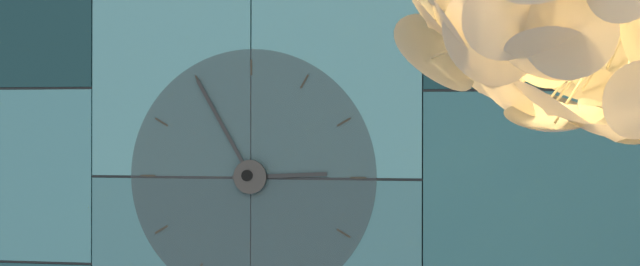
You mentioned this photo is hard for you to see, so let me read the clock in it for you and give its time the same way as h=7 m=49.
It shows h=2 m=55
